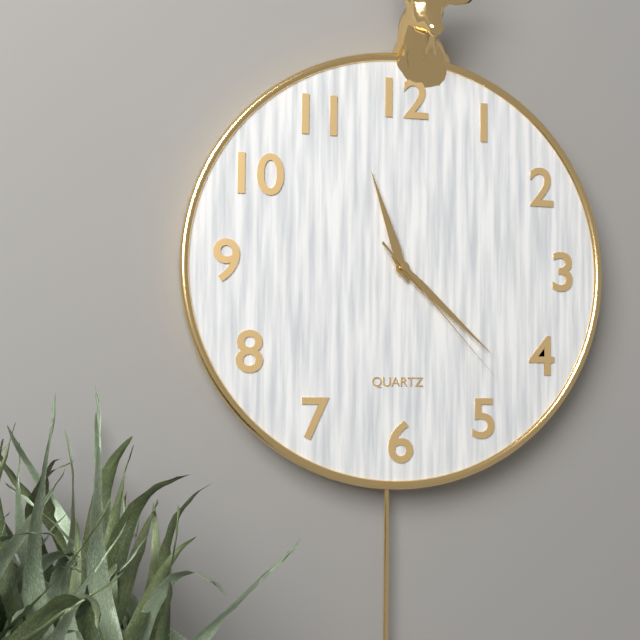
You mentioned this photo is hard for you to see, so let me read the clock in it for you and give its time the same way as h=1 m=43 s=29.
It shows h=11 m=22 s=23
